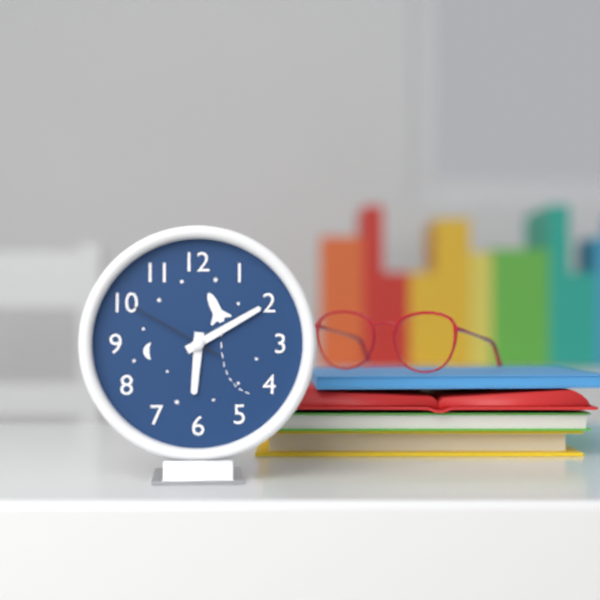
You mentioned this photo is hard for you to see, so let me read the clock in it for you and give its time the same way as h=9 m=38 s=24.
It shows h=6 m=10 s=50
